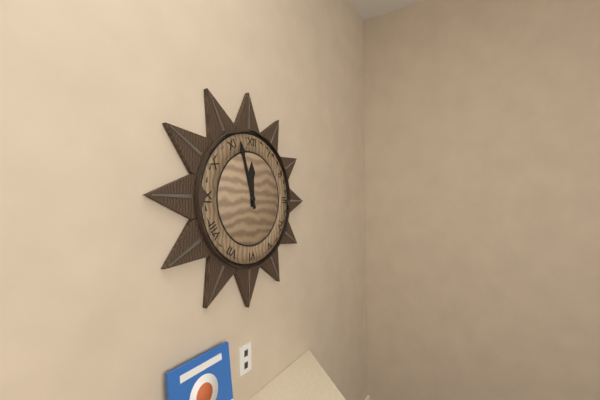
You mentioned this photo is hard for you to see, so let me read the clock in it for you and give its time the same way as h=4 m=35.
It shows h=11 m=57
